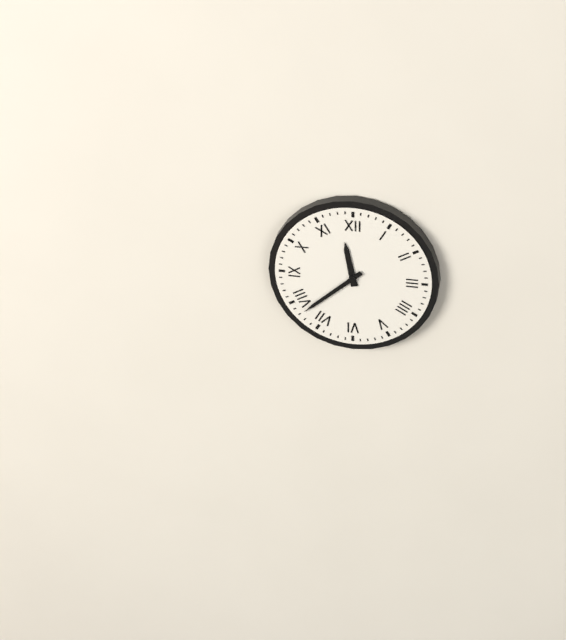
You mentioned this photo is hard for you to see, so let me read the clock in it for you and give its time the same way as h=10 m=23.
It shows h=11 m=38
